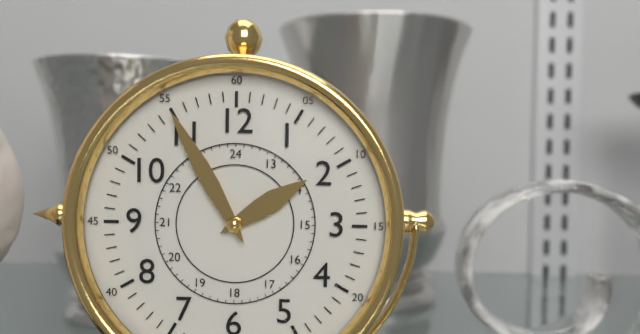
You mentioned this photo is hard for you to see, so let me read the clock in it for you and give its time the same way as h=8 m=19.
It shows h=1 m=55
